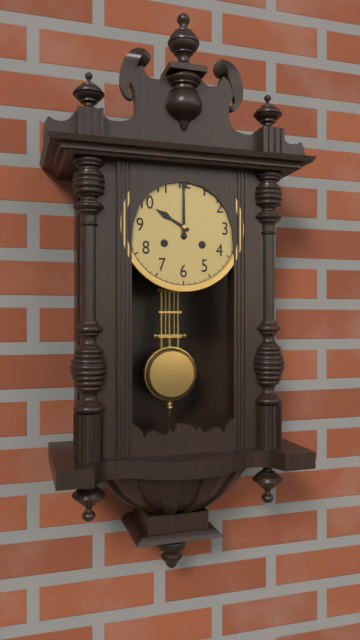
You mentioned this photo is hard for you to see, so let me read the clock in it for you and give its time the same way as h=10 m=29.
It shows h=10 m=0
